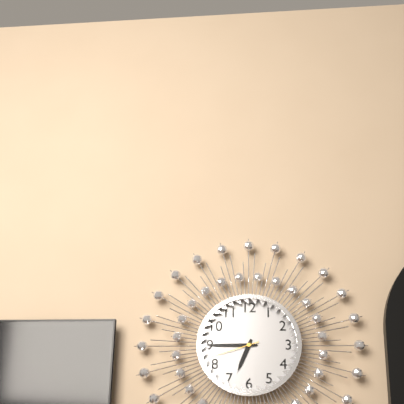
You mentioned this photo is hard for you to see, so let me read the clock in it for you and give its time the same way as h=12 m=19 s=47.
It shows h=6 m=45 s=42
